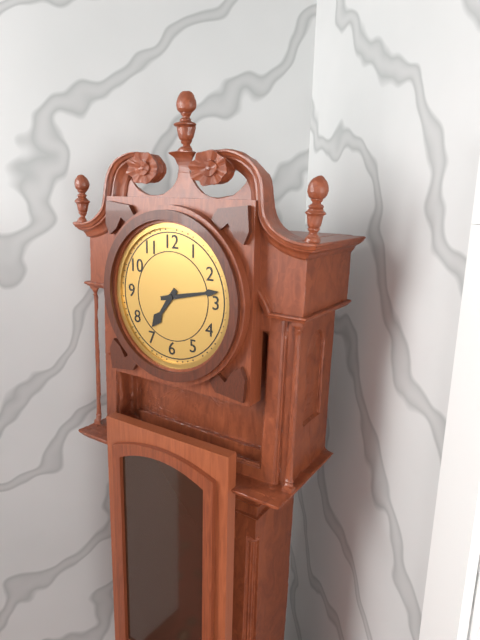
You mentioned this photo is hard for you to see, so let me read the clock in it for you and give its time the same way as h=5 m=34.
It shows h=7 m=13
